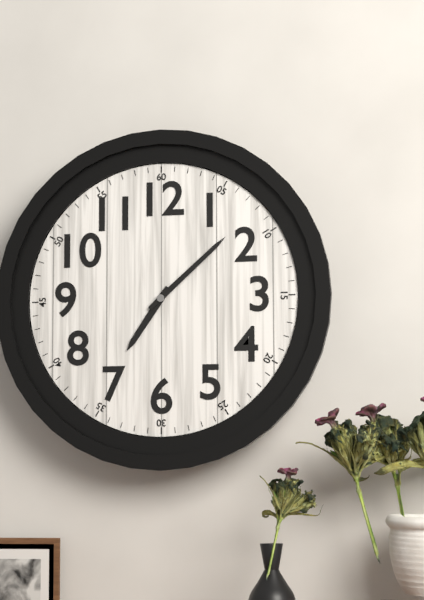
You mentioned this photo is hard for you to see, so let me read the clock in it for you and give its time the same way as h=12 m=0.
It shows h=7 m=8
